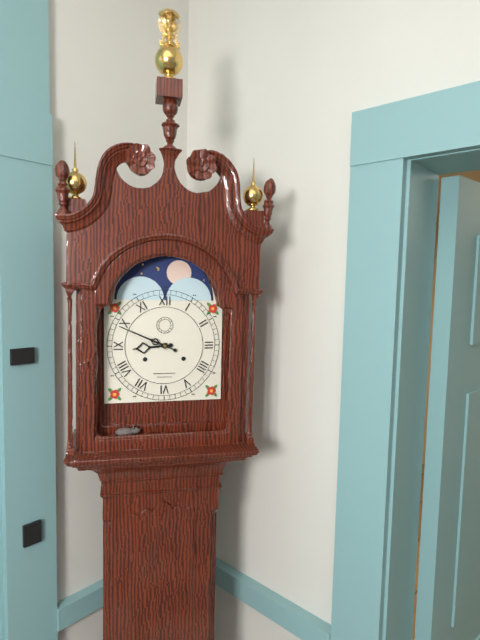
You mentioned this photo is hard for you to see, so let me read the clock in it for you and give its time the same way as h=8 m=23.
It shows h=8 m=49
